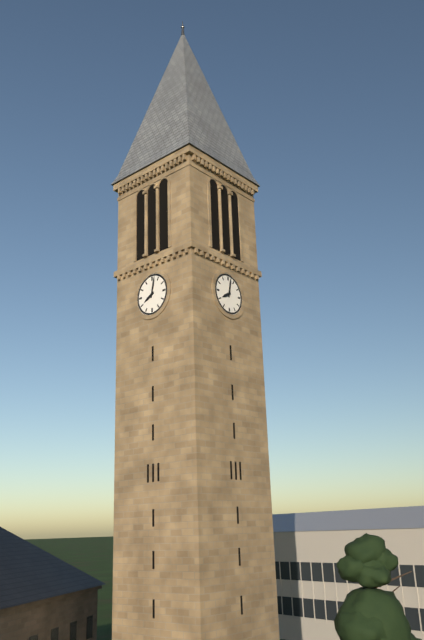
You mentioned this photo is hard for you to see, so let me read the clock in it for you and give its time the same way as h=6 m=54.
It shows h=8 m=2
